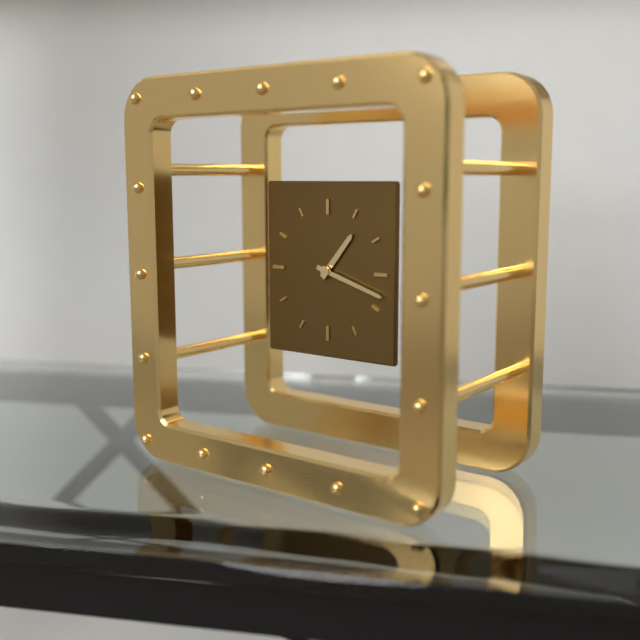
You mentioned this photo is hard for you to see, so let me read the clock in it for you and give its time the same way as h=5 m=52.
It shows h=1 m=18
